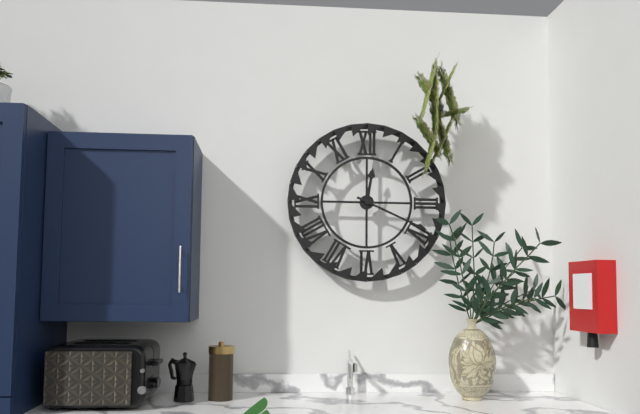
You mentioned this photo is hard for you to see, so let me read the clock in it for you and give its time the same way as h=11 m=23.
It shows h=12 m=19
